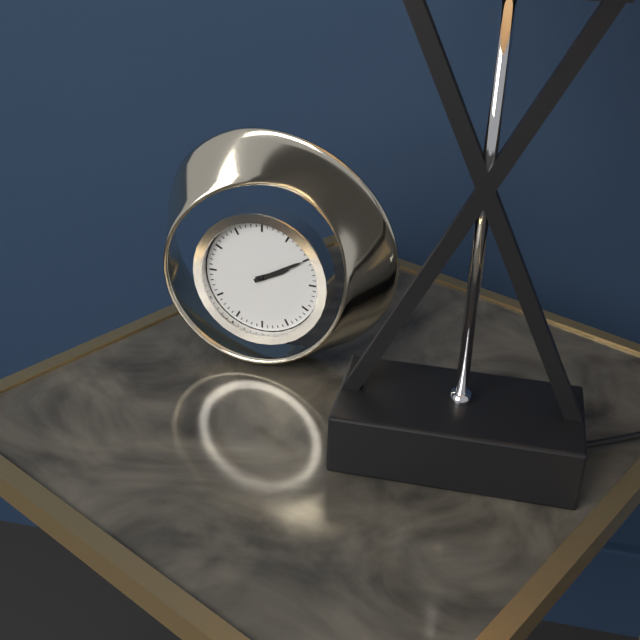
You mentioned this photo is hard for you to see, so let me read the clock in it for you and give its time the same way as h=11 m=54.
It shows h=2 m=10
